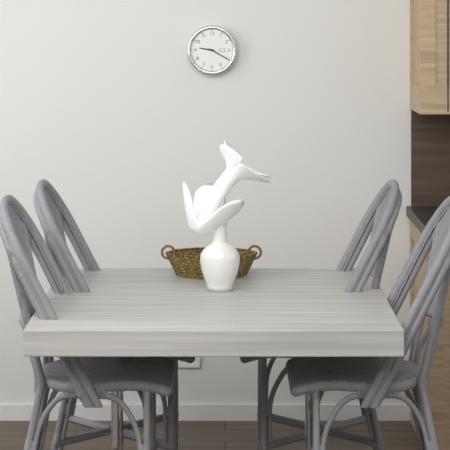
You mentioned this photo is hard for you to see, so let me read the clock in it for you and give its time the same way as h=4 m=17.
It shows h=9 m=20
